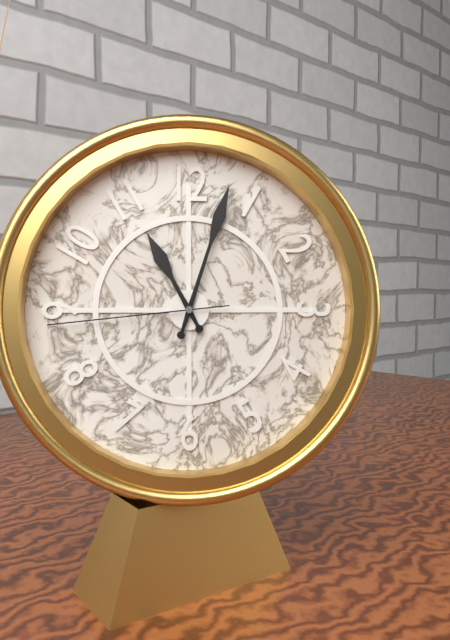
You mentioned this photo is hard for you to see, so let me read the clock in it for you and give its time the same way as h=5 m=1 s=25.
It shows h=11 m=3 s=44
